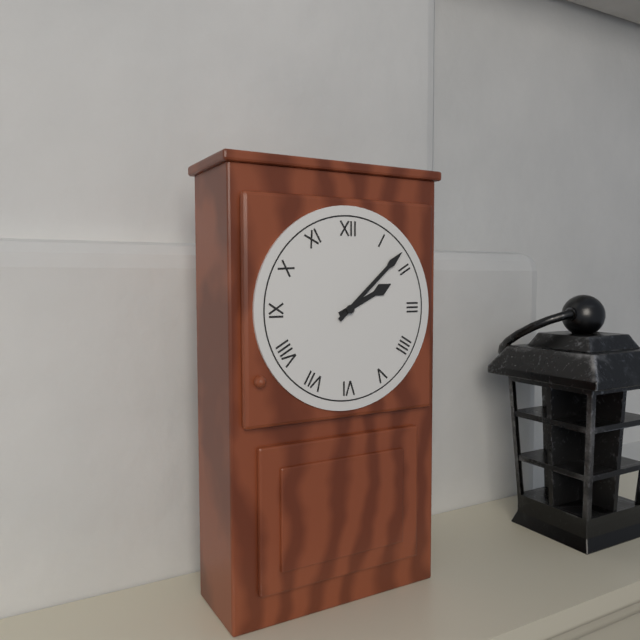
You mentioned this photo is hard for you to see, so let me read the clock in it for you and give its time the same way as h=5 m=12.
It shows h=2 m=8
